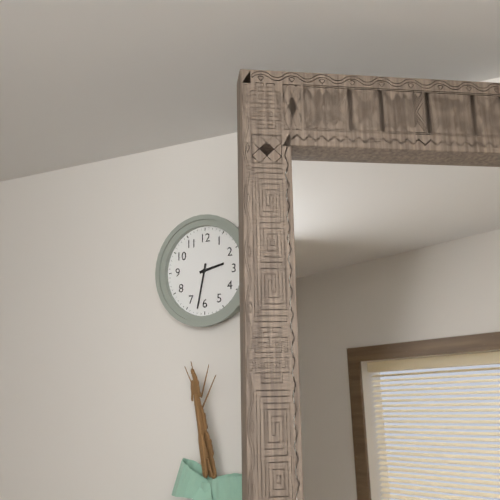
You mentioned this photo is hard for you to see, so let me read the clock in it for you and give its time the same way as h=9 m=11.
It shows h=2 m=32
